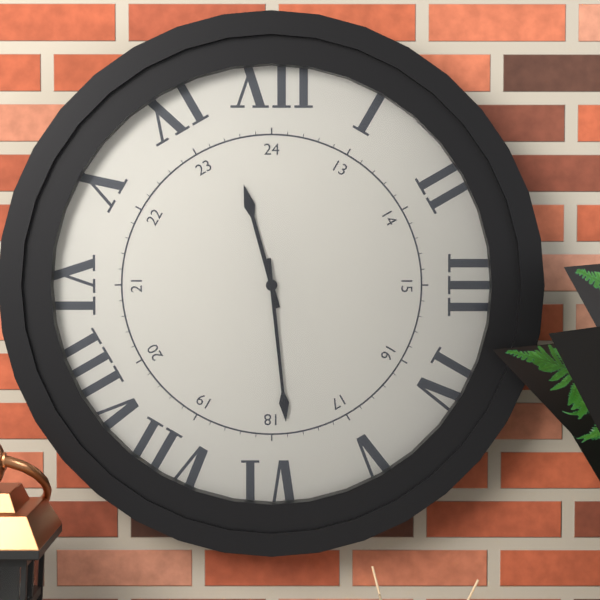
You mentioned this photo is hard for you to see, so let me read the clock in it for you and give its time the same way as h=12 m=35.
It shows h=11 m=29
